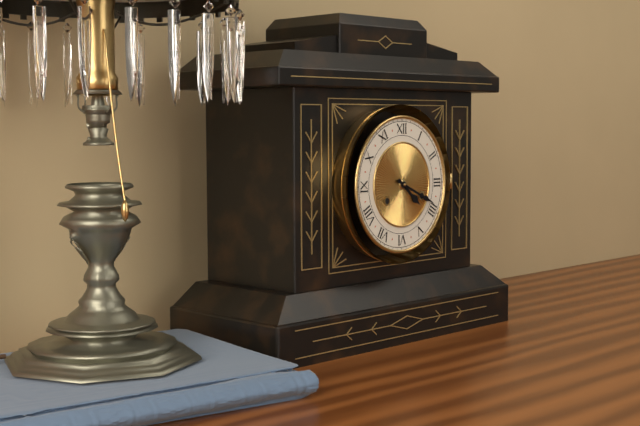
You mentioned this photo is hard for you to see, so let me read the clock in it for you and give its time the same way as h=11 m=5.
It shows h=4 m=19
